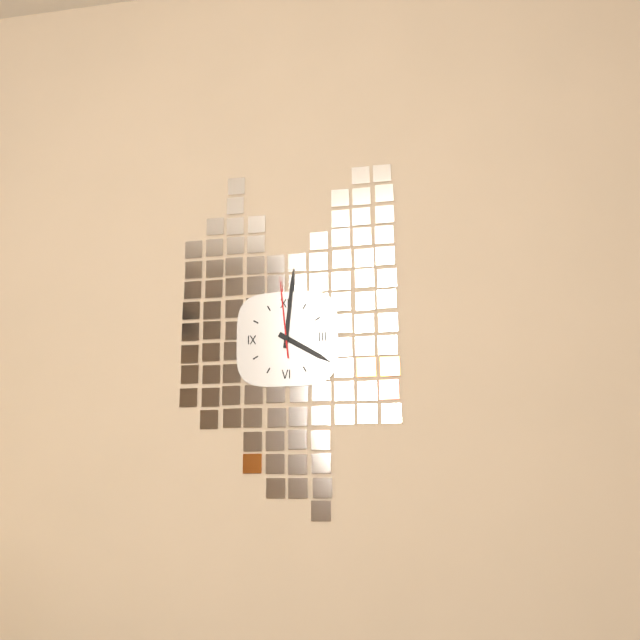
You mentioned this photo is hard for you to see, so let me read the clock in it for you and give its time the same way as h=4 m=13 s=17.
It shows h=4 m=1 s=59
